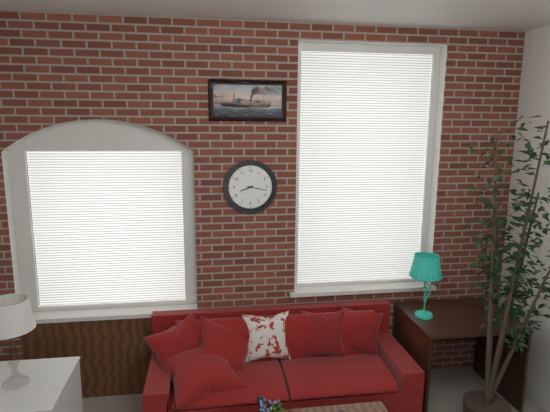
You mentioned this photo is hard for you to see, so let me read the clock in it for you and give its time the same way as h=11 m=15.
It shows h=8 m=17
